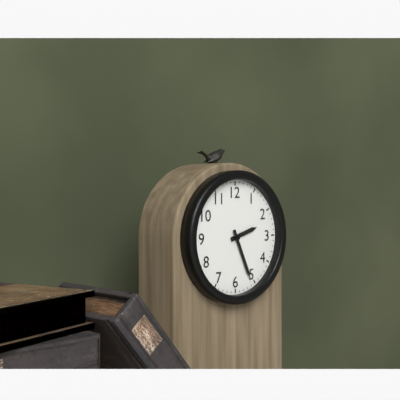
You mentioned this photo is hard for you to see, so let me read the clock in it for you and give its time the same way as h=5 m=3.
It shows h=2 m=26
